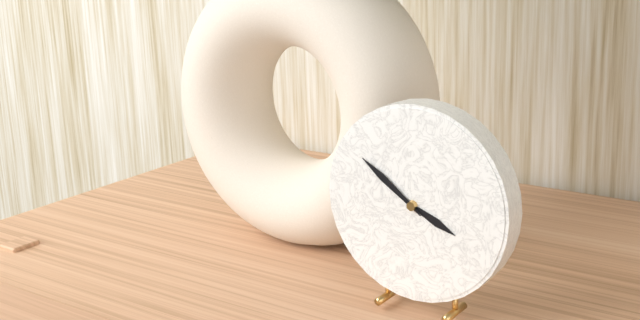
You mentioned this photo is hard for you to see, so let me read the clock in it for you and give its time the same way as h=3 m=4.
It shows h=3 m=51
